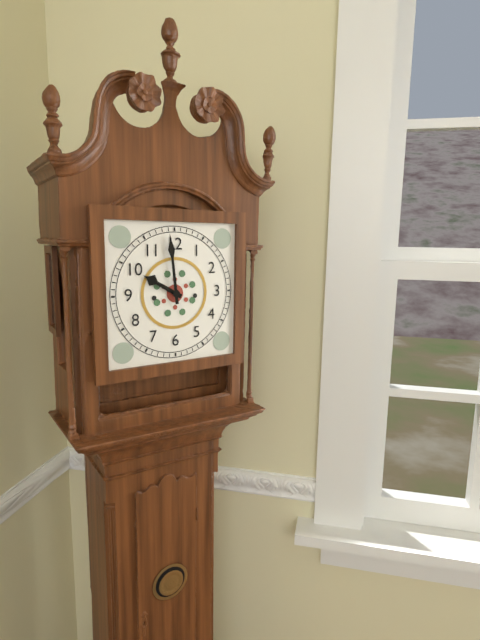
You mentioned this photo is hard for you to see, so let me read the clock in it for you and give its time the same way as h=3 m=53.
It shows h=9 m=59
